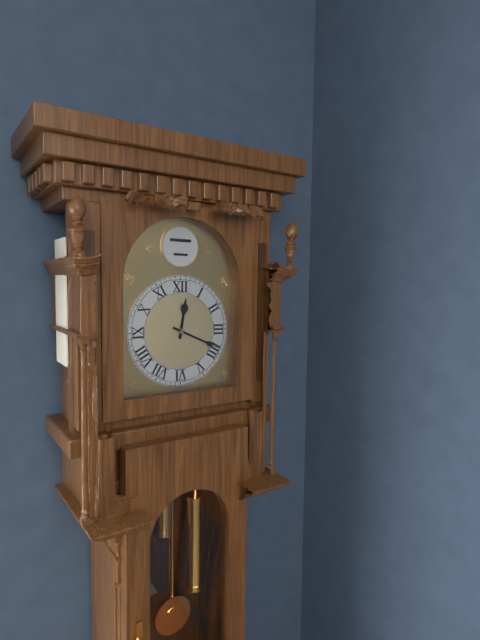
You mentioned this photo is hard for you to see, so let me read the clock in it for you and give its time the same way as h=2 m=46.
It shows h=12 m=19
